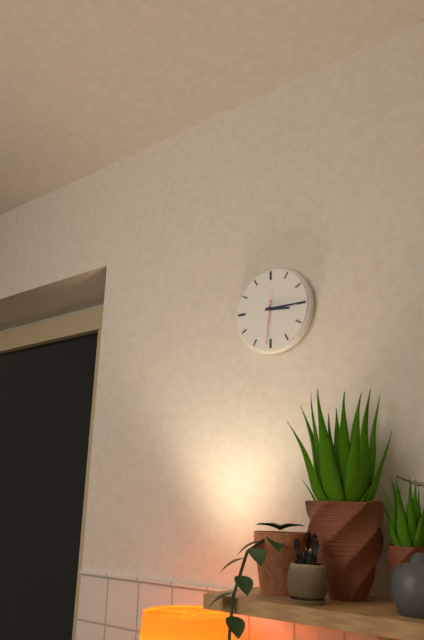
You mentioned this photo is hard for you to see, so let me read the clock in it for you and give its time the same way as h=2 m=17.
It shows h=3 m=15
